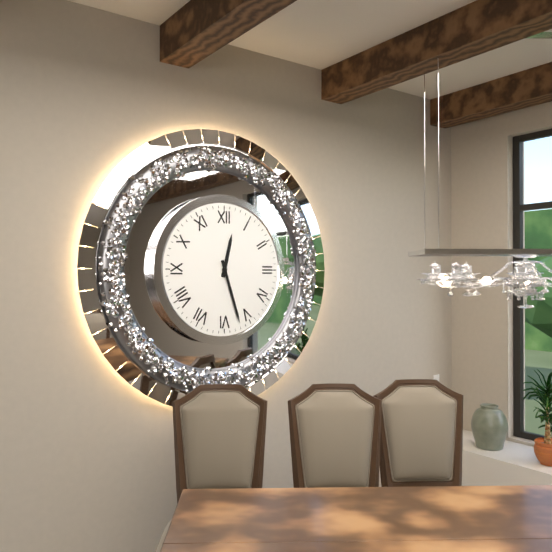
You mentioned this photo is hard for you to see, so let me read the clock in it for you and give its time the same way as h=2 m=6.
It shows h=12 m=27
